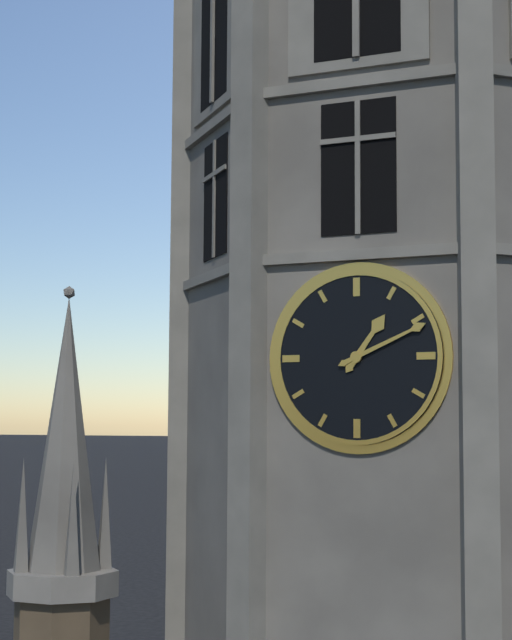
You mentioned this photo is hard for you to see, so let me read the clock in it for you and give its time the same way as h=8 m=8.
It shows h=1 m=11
